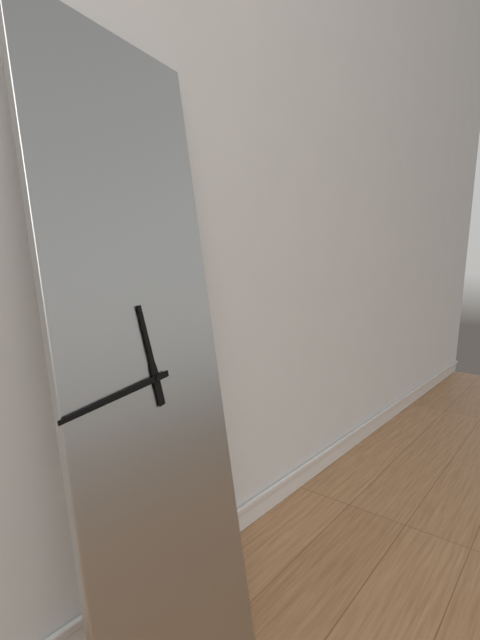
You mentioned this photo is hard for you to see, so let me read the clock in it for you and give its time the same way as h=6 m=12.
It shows h=11 m=44
